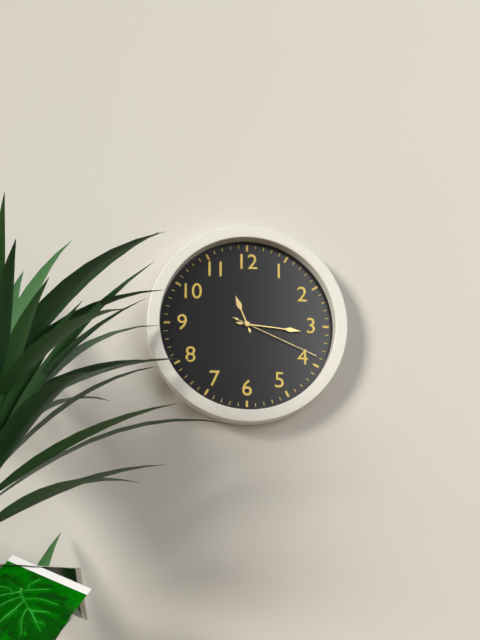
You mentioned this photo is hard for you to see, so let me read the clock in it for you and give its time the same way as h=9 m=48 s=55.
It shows h=11 m=16 s=19
